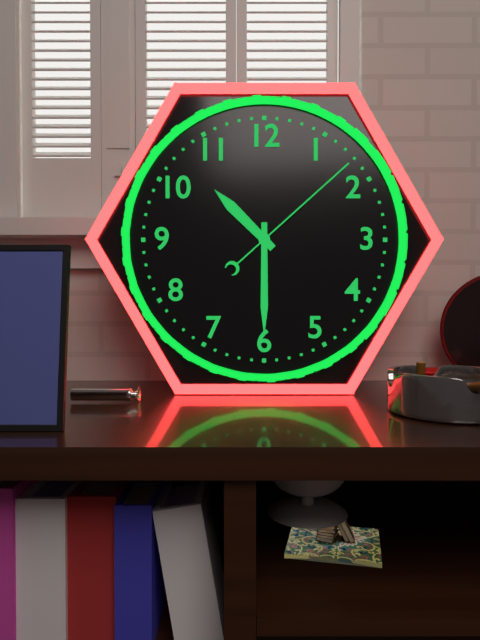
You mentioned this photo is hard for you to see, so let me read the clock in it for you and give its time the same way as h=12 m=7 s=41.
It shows h=10 m=30 s=8
